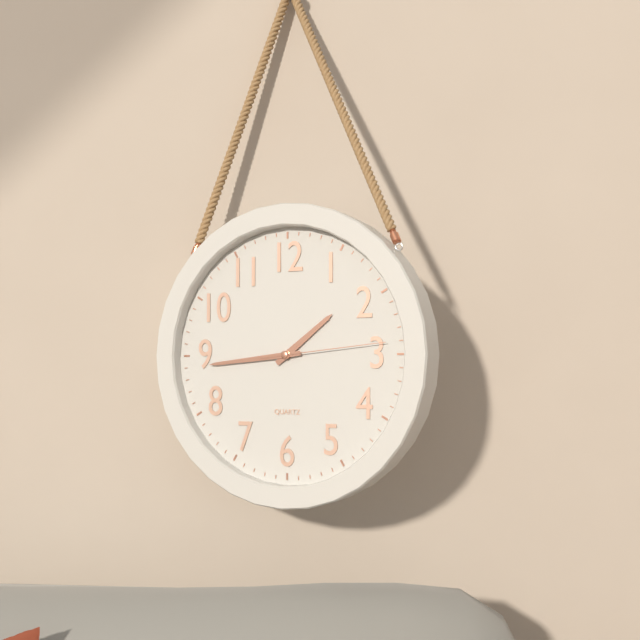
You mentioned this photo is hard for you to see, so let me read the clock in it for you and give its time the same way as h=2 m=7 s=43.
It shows h=1 m=44 s=14
